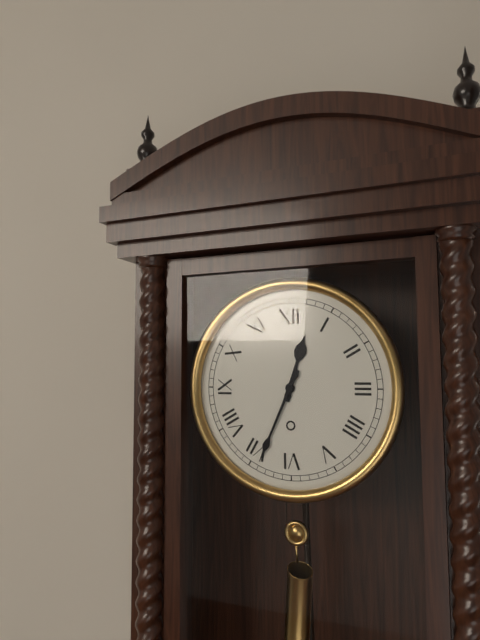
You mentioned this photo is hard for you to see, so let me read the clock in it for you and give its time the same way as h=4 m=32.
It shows h=12 m=34
